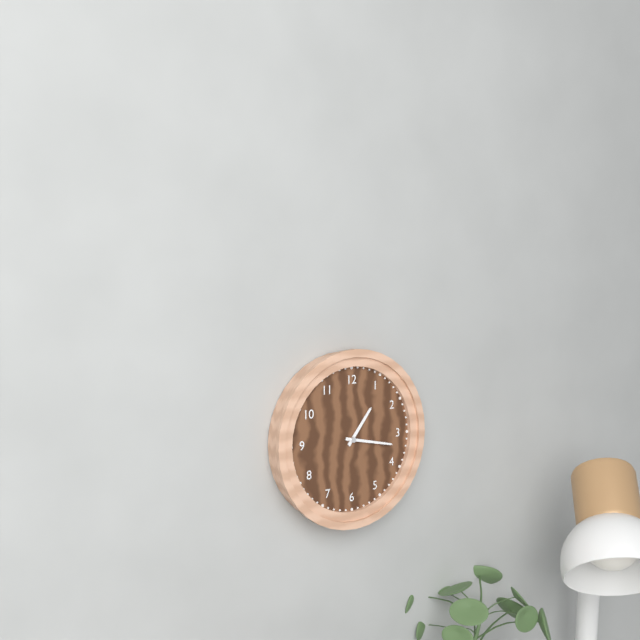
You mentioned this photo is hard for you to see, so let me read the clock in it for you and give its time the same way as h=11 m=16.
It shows h=1 m=17
